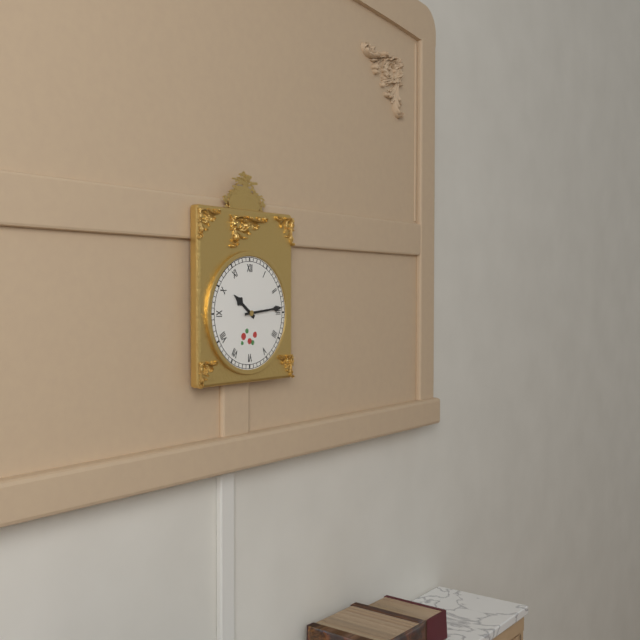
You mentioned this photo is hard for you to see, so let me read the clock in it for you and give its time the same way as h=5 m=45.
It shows h=10 m=14
